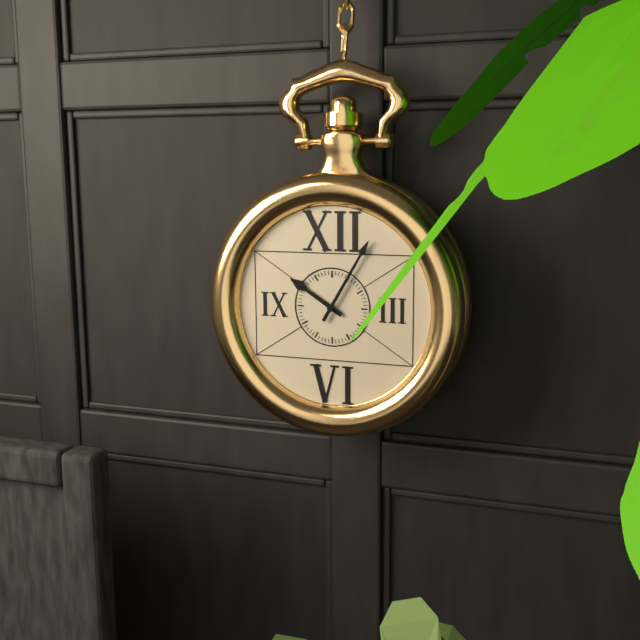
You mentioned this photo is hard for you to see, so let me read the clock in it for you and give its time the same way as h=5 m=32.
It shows h=10 m=5
